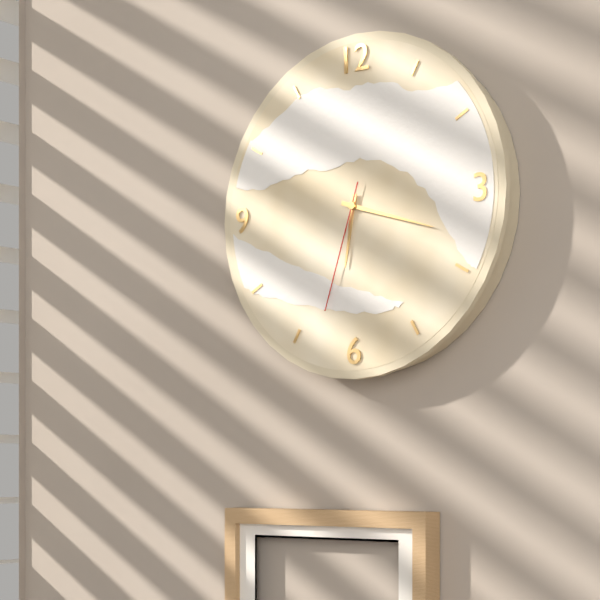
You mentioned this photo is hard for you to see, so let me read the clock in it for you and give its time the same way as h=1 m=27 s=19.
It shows h=6 m=18 s=33
